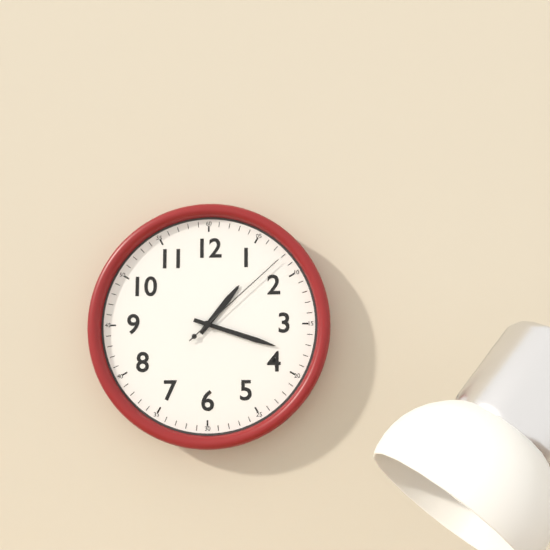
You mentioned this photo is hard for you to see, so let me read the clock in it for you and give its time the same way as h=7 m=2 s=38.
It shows h=1 m=18 s=8
